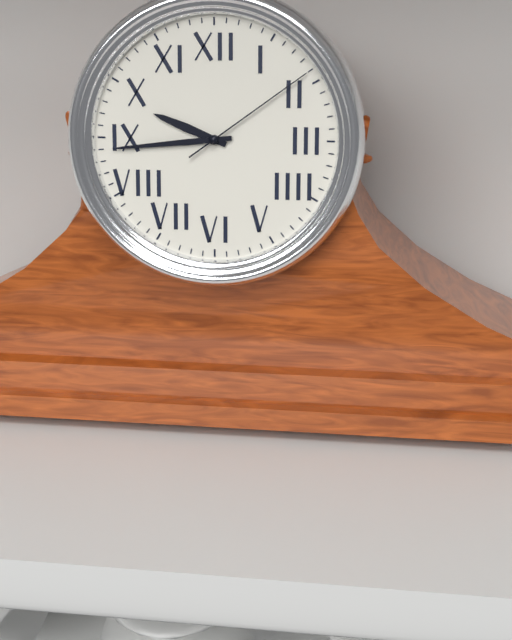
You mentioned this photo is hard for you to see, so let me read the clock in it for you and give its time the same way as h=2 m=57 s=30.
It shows h=9 m=44 s=9
